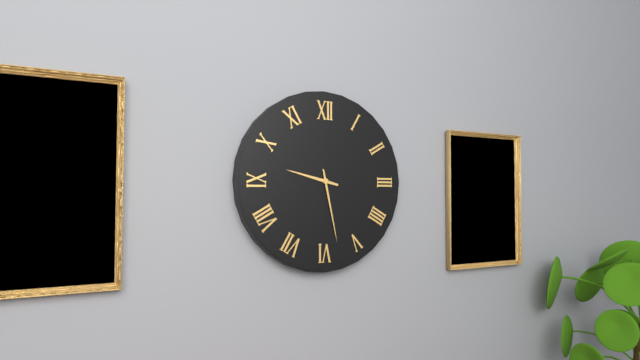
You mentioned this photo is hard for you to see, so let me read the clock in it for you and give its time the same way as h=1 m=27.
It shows h=9 m=28
